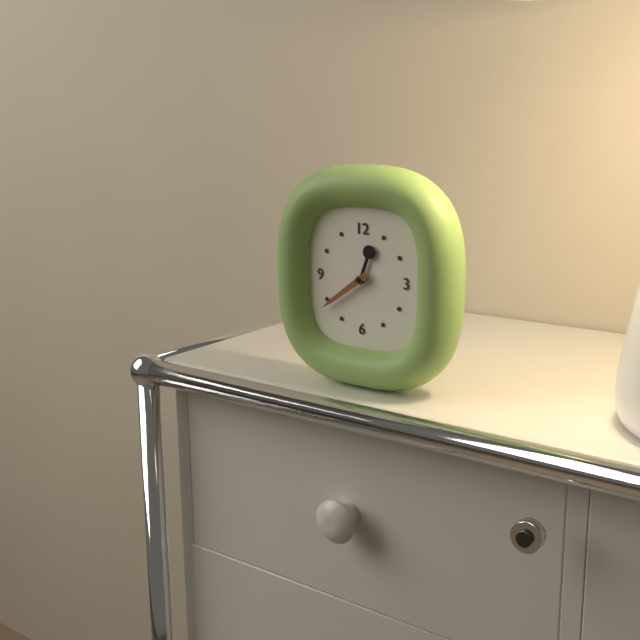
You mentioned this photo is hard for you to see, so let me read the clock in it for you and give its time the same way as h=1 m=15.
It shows h=12 m=39
